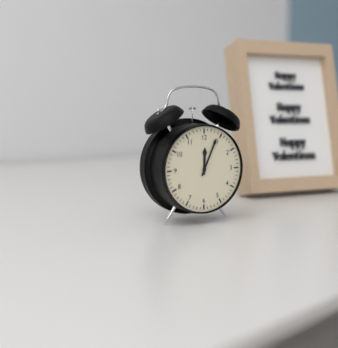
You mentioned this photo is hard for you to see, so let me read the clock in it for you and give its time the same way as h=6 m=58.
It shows h=12 m=4
